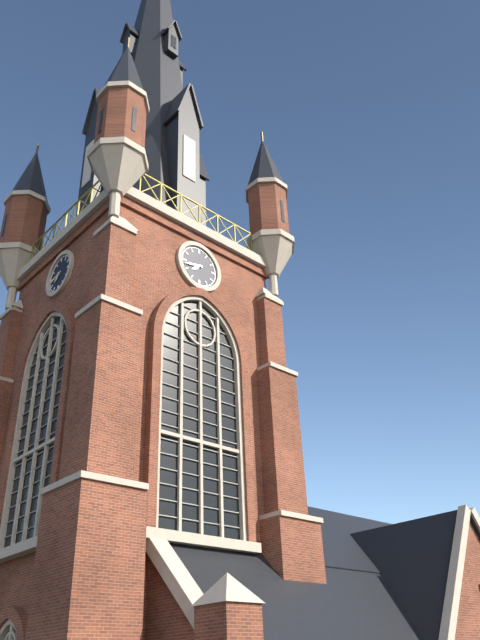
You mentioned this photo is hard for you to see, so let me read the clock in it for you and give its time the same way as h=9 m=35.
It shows h=7 m=43
